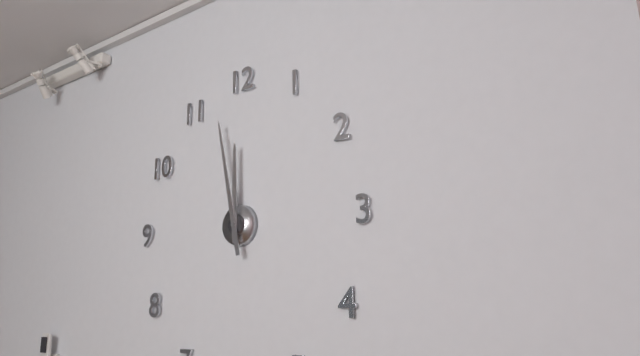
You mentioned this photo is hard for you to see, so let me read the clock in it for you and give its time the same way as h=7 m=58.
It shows h=11 m=58
